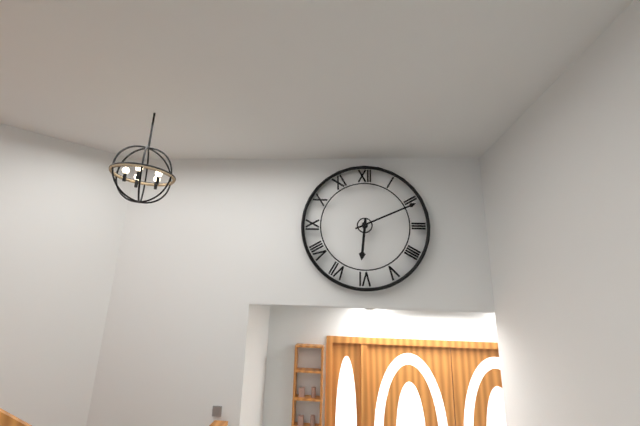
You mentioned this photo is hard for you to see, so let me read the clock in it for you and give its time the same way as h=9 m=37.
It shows h=6 m=11
